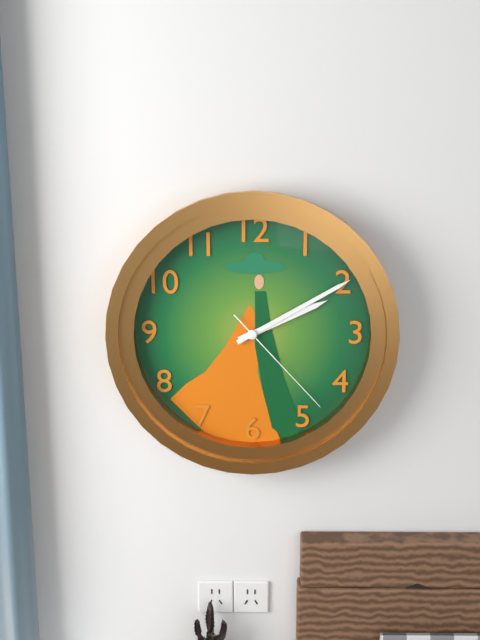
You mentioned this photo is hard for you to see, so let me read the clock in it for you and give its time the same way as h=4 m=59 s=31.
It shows h=2 m=10 s=23
